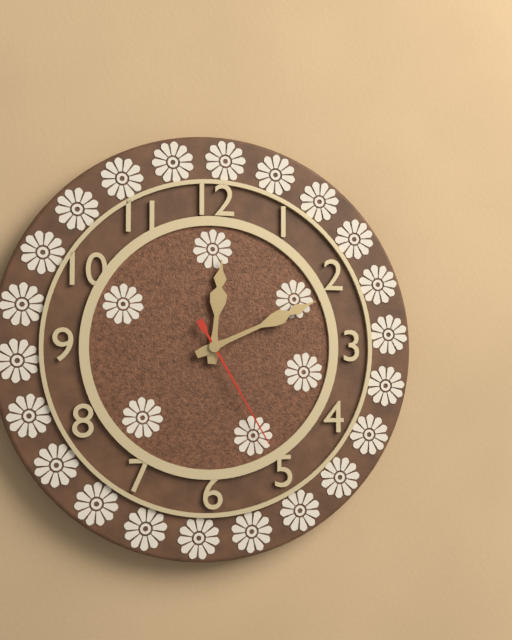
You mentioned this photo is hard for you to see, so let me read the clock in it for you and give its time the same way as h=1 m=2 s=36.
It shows h=12 m=11 s=25
